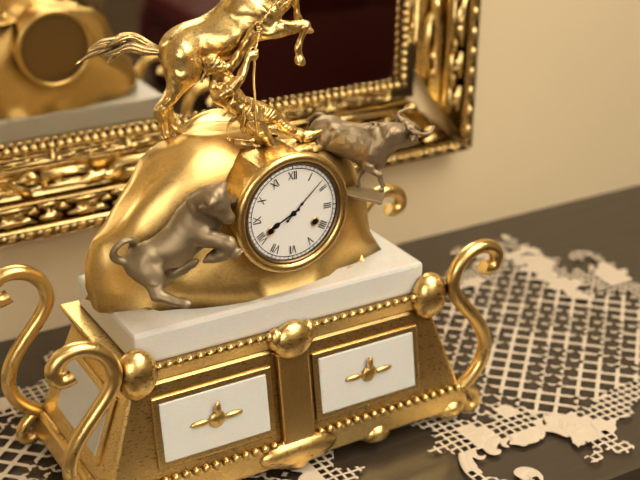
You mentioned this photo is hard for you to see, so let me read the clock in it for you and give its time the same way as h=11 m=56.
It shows h=8 m=8
